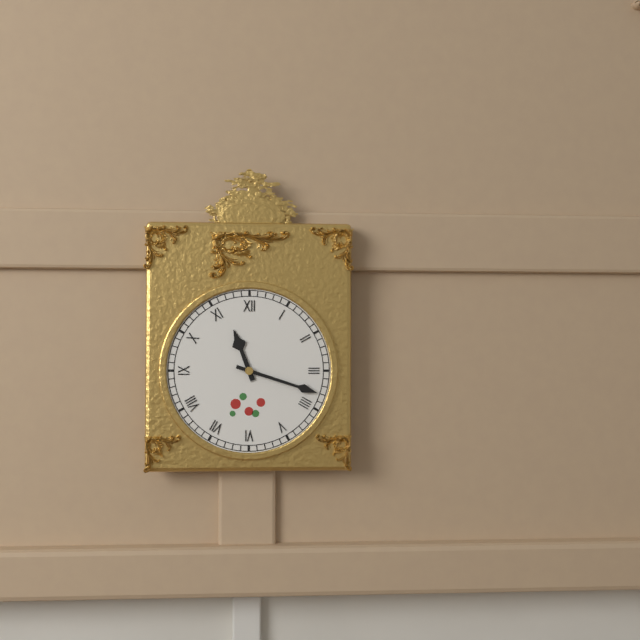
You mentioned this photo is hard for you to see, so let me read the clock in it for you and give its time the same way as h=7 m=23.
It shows h=11 m=18
